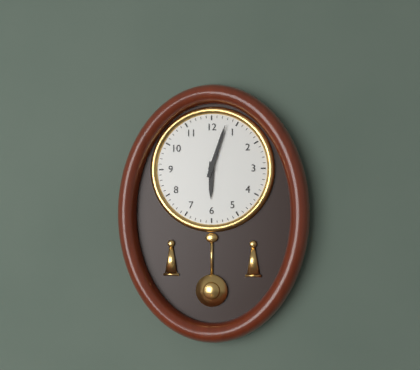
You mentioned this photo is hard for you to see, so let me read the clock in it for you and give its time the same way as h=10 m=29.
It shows h=6 m=3
